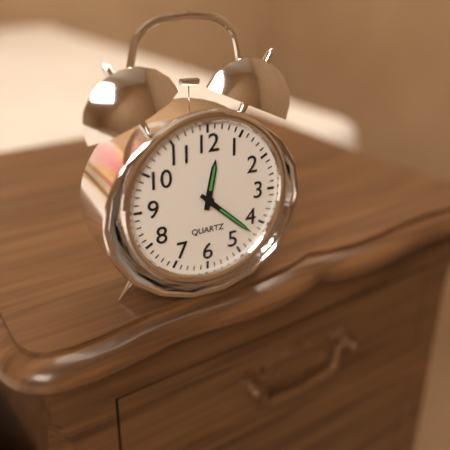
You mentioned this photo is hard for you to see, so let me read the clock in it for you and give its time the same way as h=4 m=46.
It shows h=12 m=22
